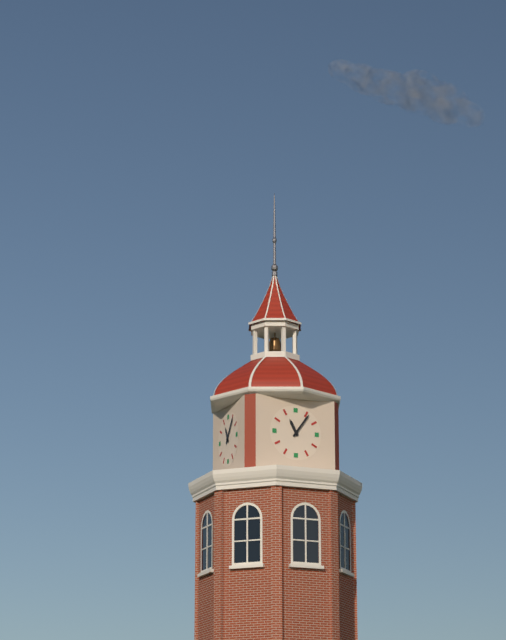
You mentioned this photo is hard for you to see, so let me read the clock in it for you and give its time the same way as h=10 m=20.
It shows h=11 m=6
